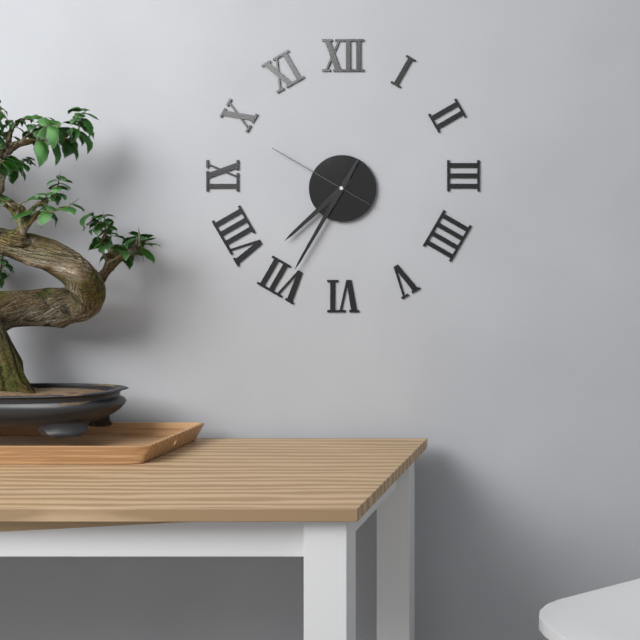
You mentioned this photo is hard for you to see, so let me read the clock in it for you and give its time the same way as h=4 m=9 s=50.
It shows h=7 m=35 s=50
